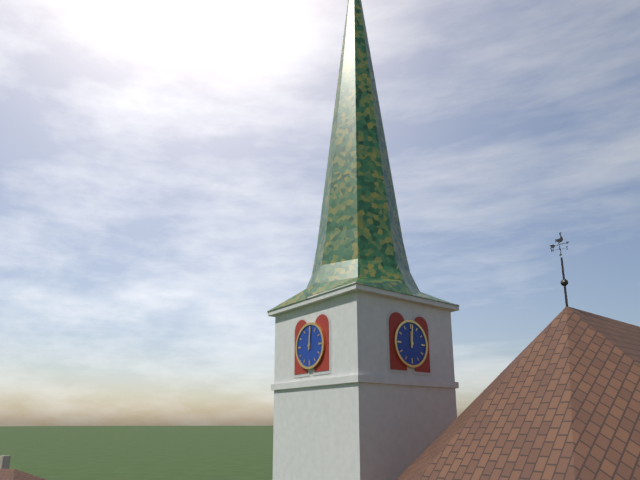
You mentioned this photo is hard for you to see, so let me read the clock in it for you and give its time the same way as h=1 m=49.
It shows h=12 m=1
